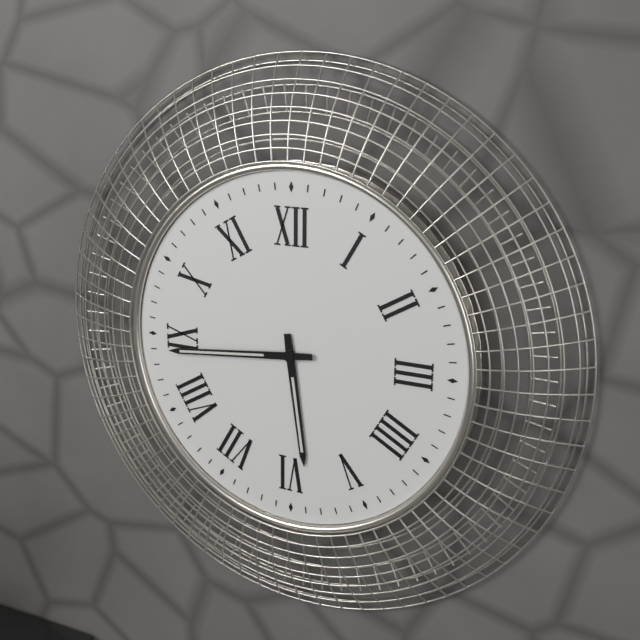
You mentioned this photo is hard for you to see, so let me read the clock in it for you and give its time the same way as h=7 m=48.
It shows h=5 m=44
